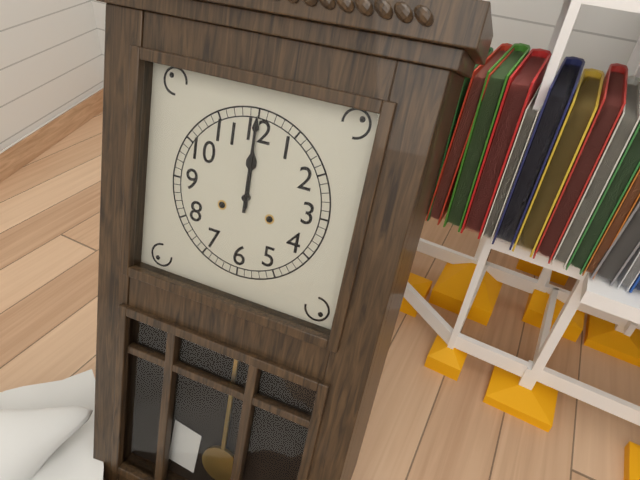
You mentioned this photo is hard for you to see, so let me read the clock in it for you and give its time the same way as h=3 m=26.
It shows h=12 m=0
